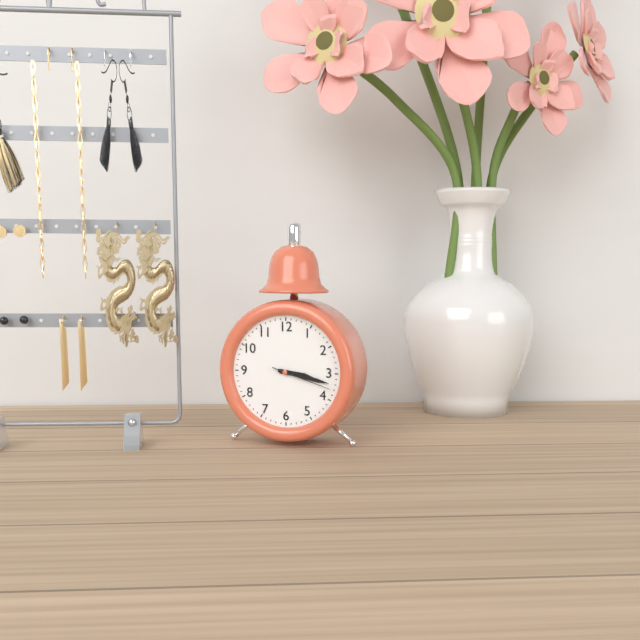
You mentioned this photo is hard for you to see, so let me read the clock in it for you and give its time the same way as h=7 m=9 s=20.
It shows h=3 m=17 s=18
